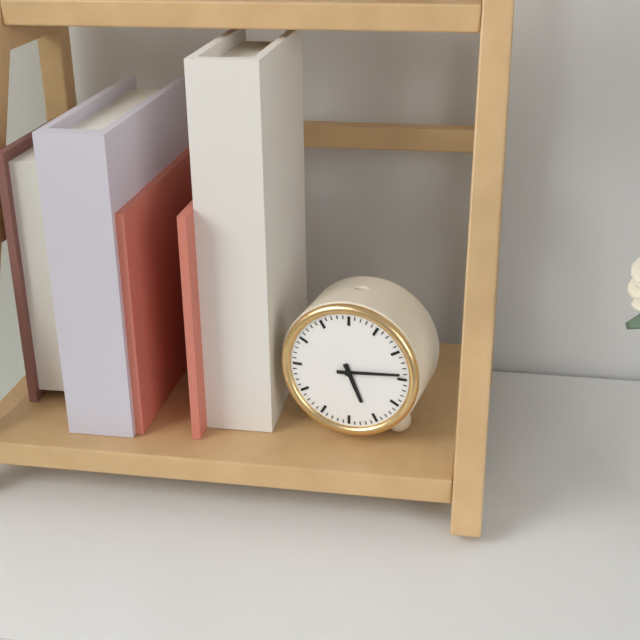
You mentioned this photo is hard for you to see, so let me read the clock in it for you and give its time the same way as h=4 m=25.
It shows h=5 m=14
